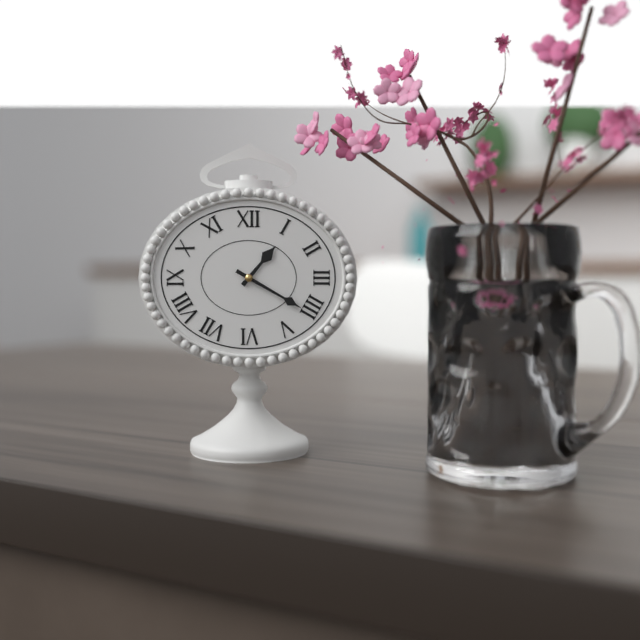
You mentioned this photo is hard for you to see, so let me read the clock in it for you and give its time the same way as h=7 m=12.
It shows h=1 m=20
